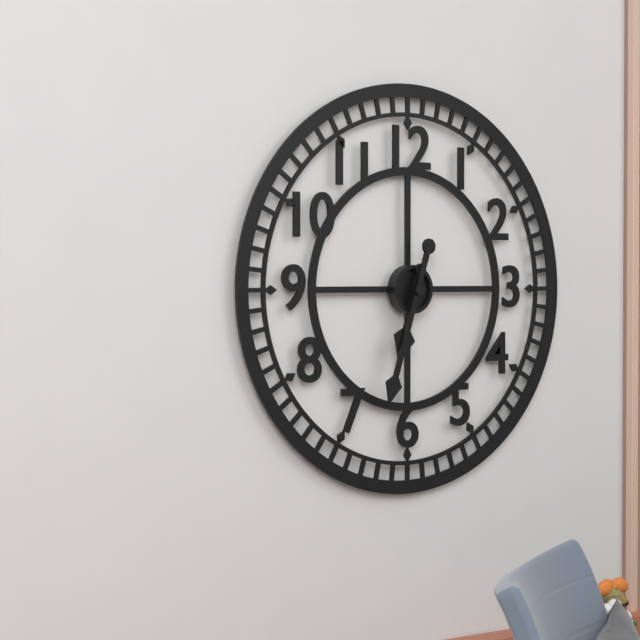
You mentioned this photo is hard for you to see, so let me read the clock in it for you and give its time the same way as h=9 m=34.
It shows h=6 m=33
